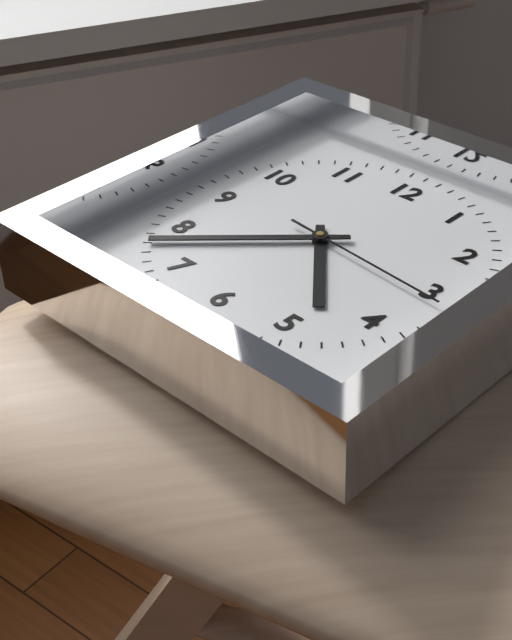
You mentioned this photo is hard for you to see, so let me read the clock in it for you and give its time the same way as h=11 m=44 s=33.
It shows h=4 m=38 s=16
